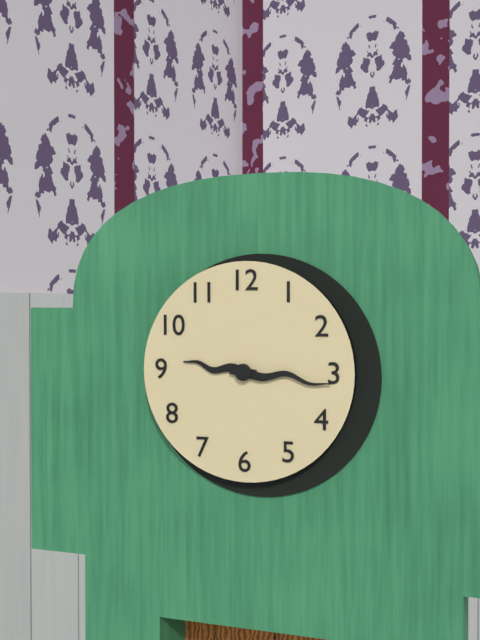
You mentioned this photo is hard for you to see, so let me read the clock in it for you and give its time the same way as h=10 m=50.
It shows h=9 m=16
